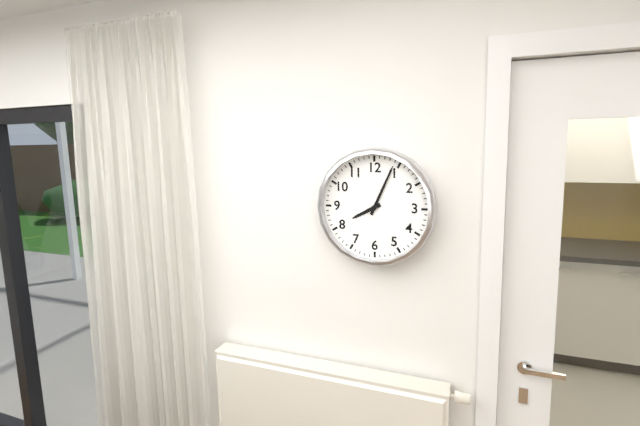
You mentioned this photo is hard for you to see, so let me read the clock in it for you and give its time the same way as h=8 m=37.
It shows h=8 m=4
